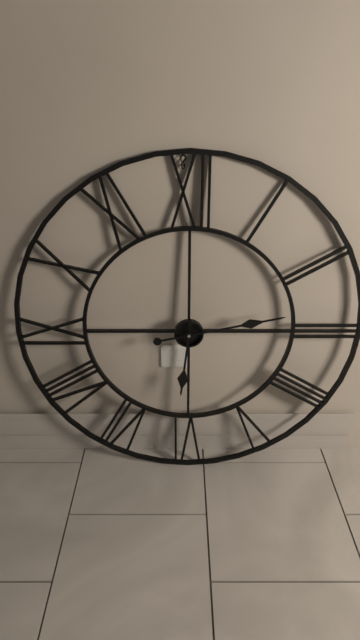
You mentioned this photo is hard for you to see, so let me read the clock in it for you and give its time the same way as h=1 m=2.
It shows h=6 m=13
